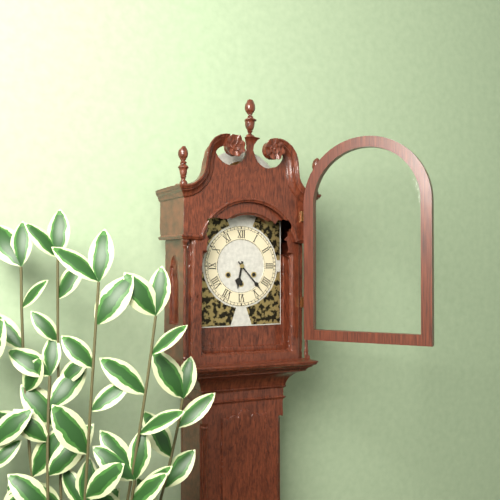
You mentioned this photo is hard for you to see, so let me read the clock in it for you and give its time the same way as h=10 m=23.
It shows h=6 m=23
